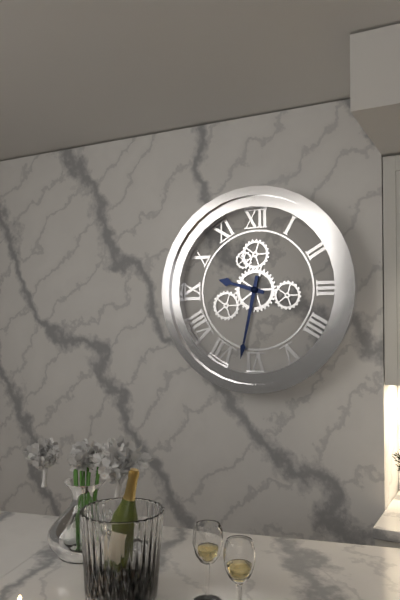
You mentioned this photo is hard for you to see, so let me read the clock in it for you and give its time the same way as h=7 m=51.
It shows h=9 m=32
